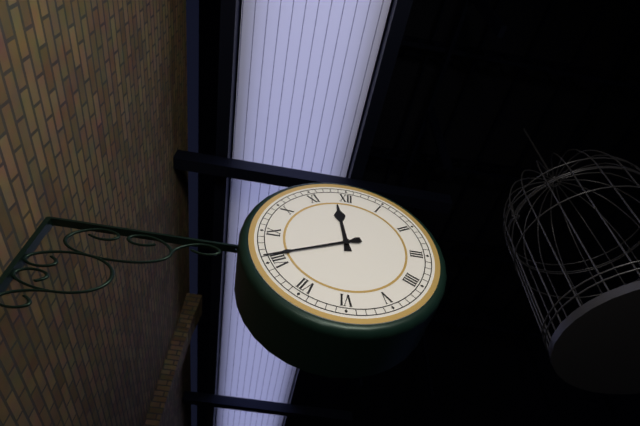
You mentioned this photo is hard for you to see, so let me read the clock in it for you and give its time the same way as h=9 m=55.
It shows h=11 m=41
